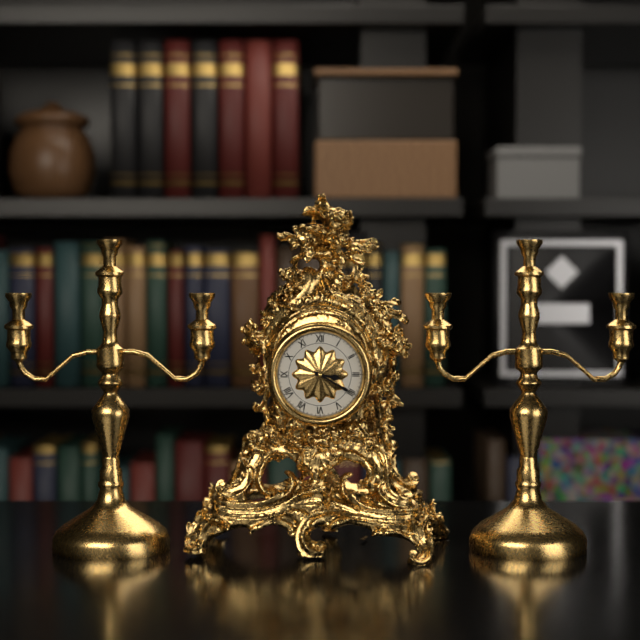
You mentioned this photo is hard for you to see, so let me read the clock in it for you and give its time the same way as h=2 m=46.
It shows h=3 m=20
